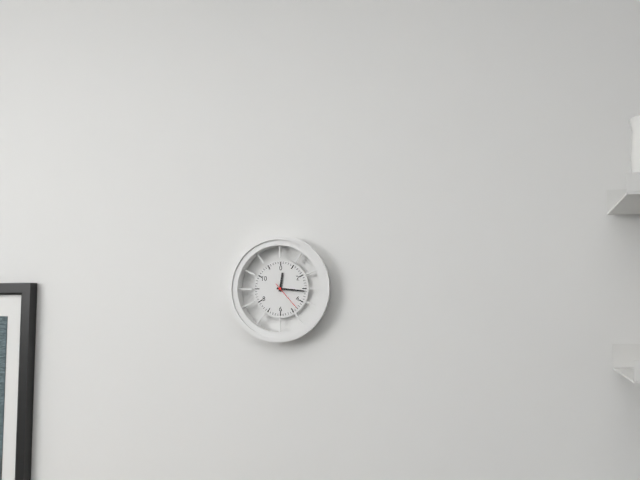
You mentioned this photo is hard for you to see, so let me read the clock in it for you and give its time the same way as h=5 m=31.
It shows h=12 m=16
